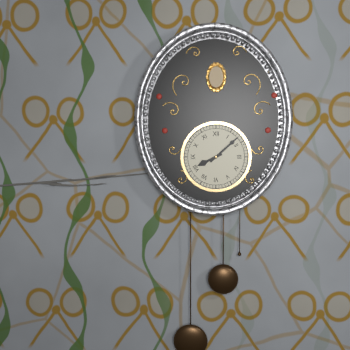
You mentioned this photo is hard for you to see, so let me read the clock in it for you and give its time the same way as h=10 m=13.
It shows h=8 m=8
